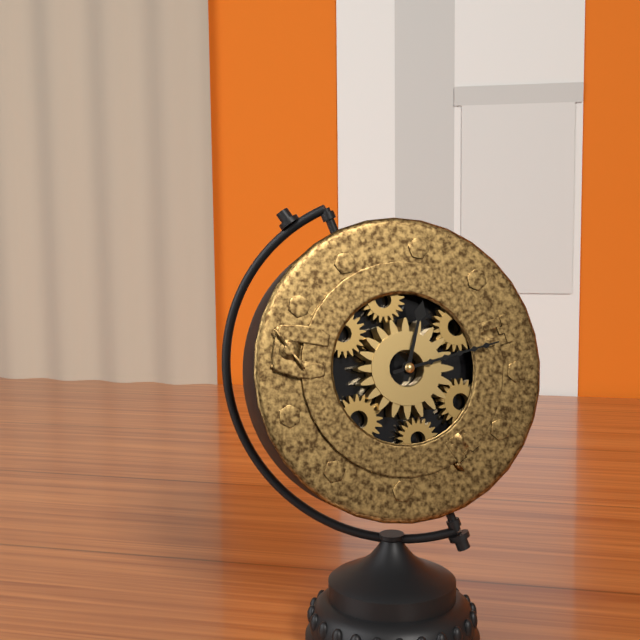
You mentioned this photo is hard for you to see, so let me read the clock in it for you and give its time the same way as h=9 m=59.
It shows h=12 m=11
